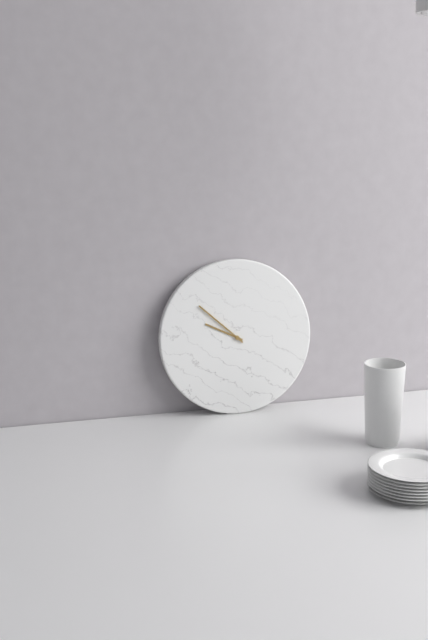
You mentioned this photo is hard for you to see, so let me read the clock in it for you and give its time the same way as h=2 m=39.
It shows h=9 m=52
